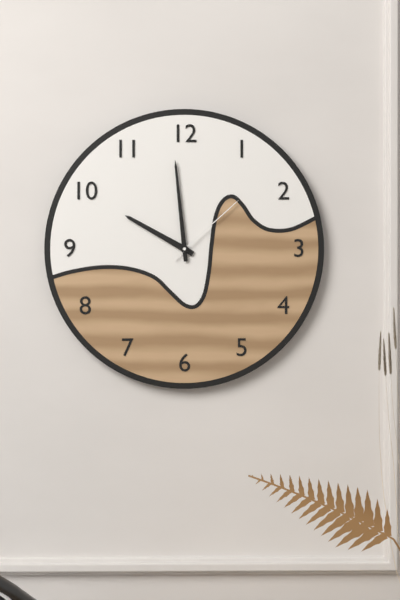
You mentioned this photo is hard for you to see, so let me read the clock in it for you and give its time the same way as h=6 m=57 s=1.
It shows h=9 m=59 s=8
